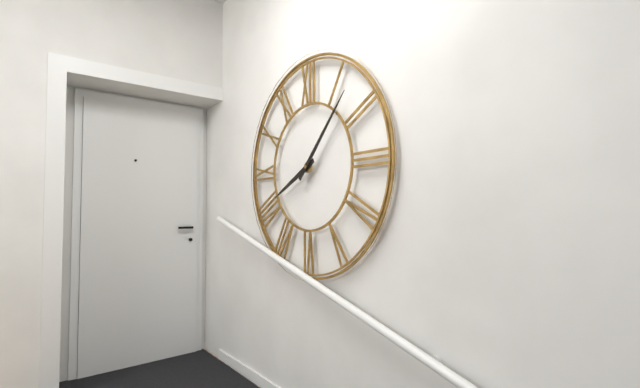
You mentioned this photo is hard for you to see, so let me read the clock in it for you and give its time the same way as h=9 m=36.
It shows h=8 m=7
